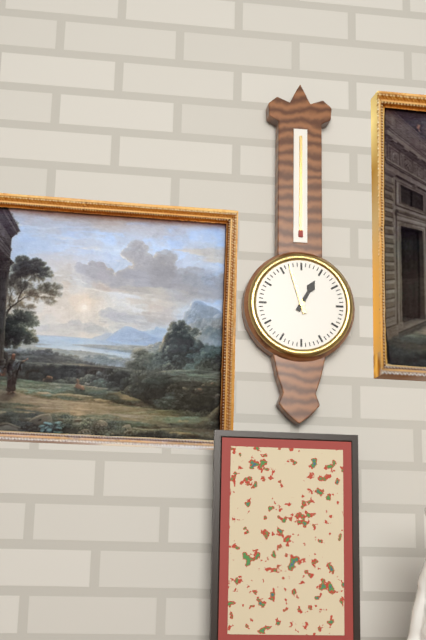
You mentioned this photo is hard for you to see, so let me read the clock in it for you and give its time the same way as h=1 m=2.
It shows h=12 m=57
